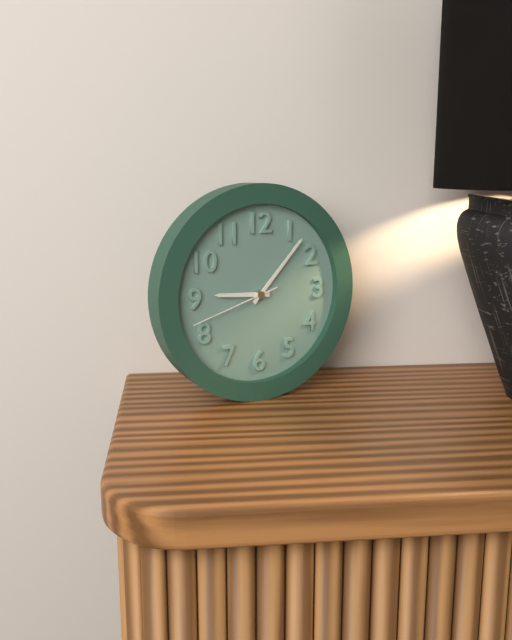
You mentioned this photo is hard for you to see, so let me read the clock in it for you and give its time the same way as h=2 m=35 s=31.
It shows h=9 m=7 s=42
